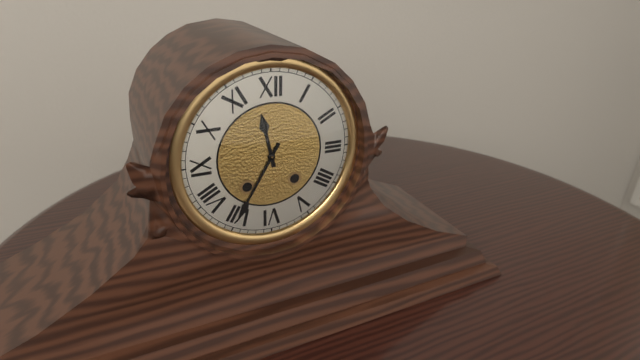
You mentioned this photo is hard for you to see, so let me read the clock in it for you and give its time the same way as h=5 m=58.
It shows h=11 m=35
